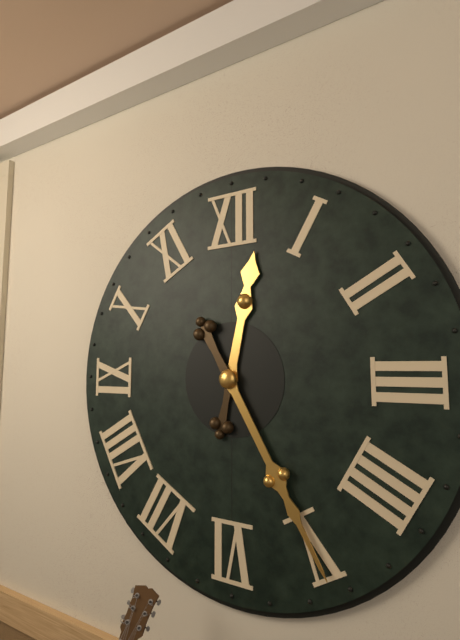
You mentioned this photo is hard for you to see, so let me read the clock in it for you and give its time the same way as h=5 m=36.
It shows h=12 m=25
